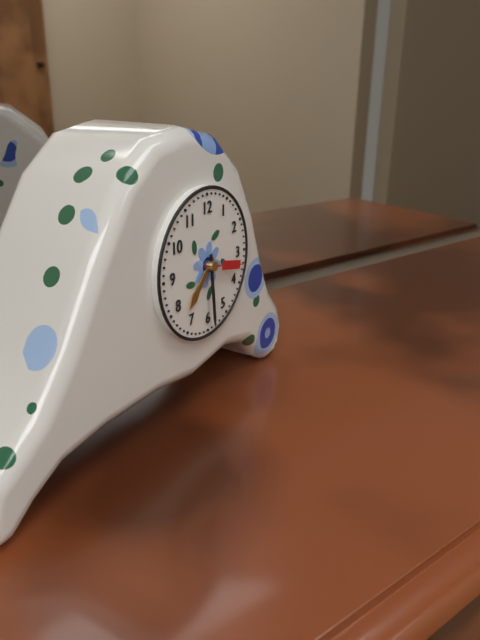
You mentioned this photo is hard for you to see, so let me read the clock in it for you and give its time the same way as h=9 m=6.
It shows h=7 m=29
